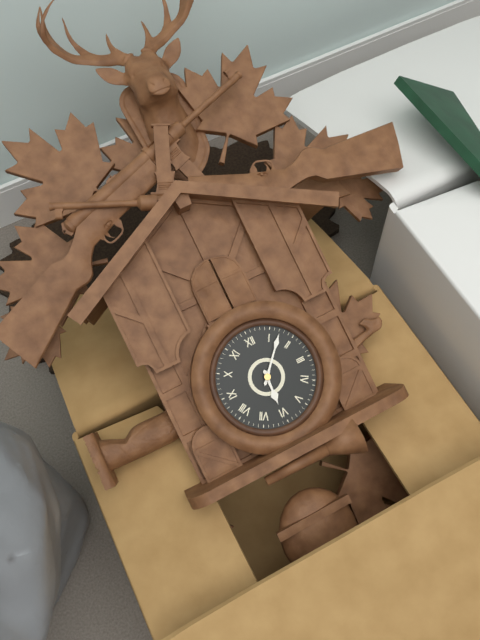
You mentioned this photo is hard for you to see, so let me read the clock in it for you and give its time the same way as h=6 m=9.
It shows h=6 m=7
